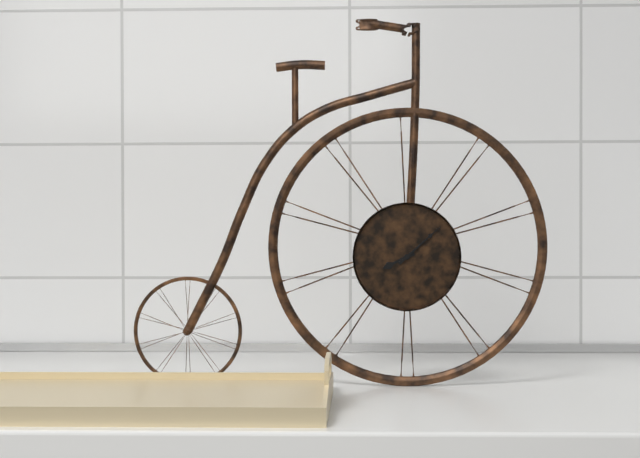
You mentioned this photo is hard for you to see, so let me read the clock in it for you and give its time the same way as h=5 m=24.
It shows h=8 m=8
